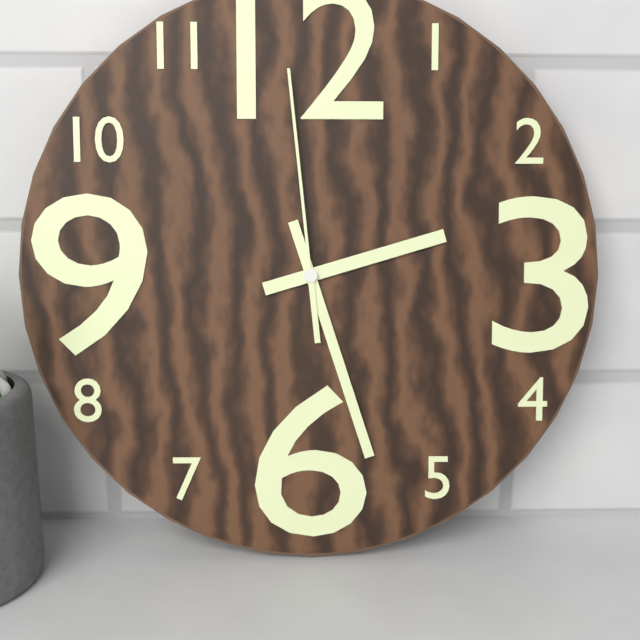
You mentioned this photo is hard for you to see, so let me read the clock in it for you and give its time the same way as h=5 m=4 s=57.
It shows h=2 m=27 s=59
